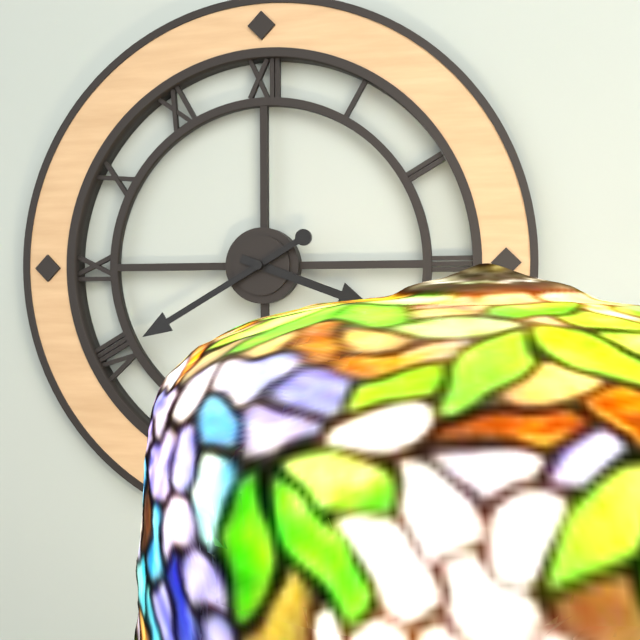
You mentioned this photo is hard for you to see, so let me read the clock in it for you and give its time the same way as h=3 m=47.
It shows h=3 m=40
